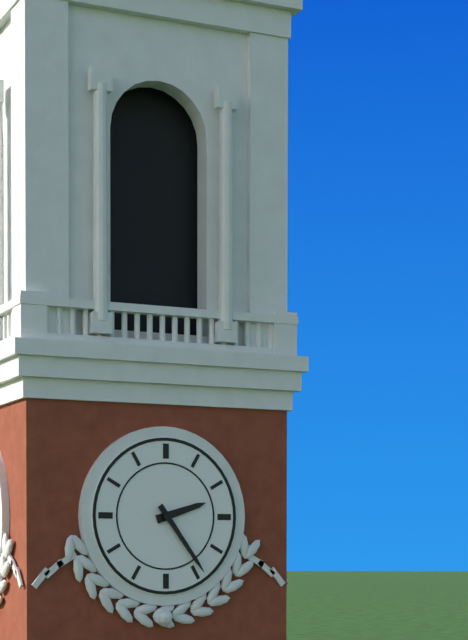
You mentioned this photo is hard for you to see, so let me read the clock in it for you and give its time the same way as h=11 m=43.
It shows h=2 m=24
